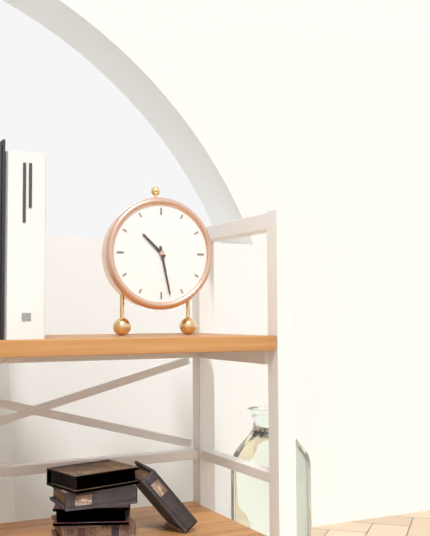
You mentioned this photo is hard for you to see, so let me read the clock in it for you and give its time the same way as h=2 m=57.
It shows h=10 m=28
